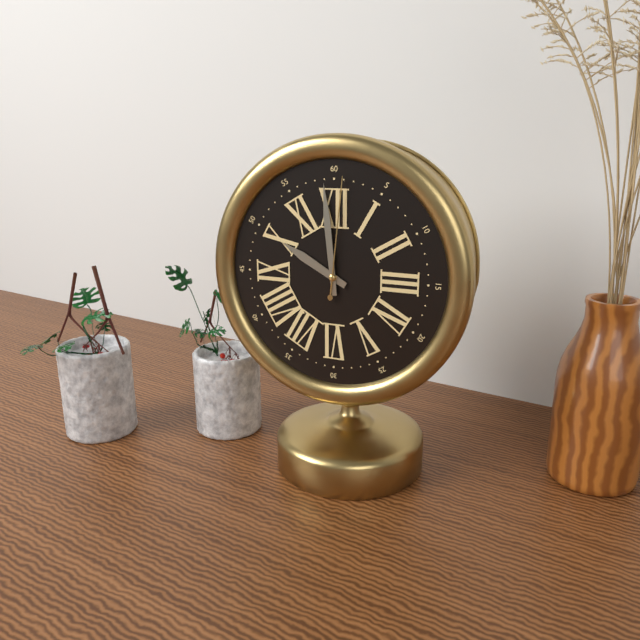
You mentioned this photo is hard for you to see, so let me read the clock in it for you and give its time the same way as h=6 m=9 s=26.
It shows h=9 m=59 s=1
